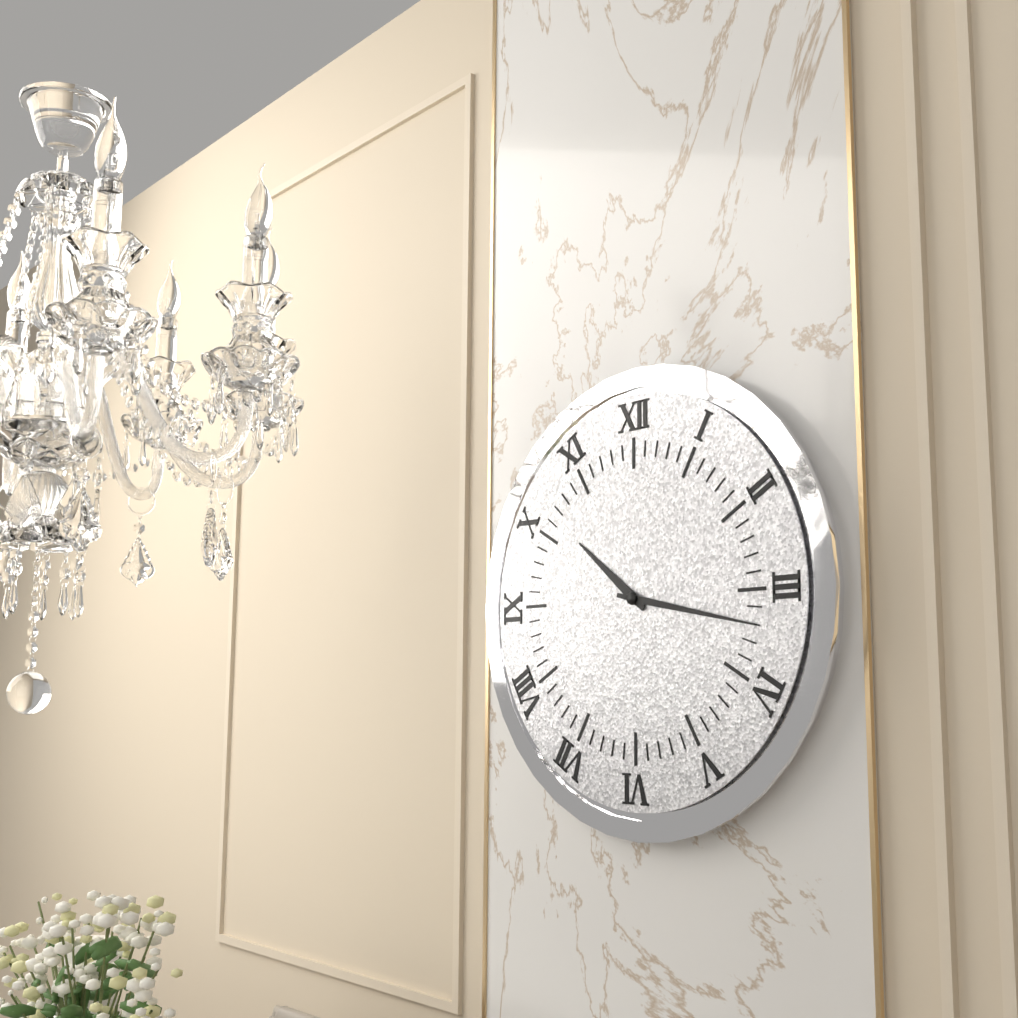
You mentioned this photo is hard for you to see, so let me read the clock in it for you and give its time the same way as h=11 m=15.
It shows h=10 m=17
